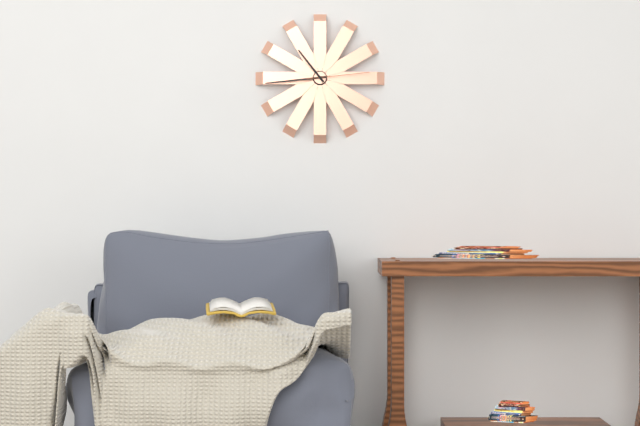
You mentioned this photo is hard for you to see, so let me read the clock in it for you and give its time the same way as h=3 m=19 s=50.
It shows h=10 m=44 s=14
